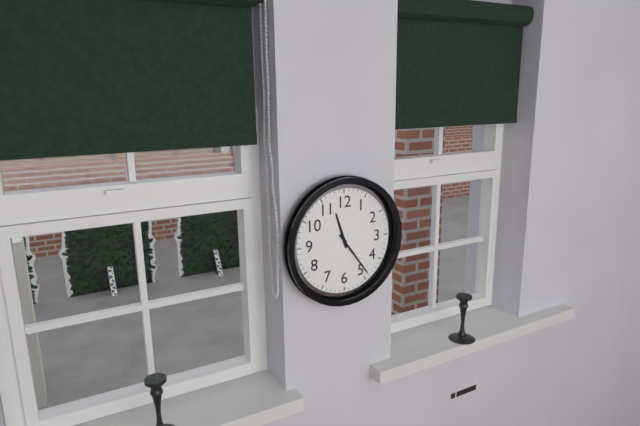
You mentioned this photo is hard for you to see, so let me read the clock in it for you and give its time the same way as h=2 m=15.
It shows h=11 m=24
